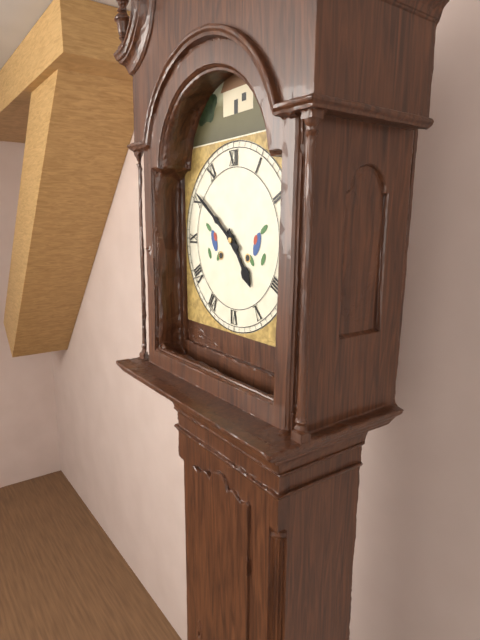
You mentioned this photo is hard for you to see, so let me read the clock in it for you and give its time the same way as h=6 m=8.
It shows h=4 m=51
